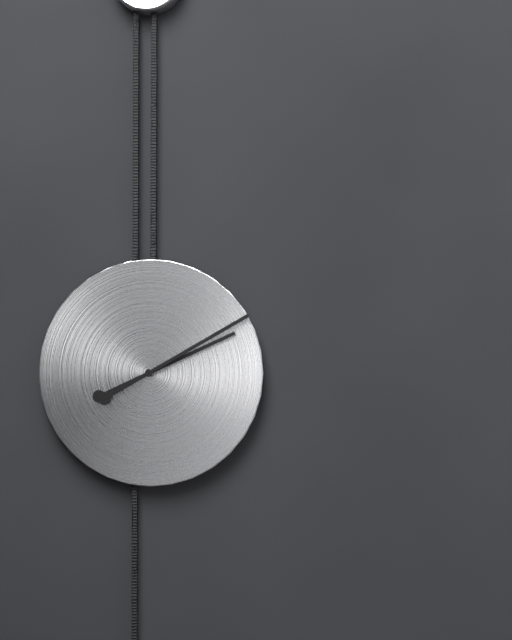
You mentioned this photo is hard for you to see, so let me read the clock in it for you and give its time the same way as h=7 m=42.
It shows h=2 m=10
